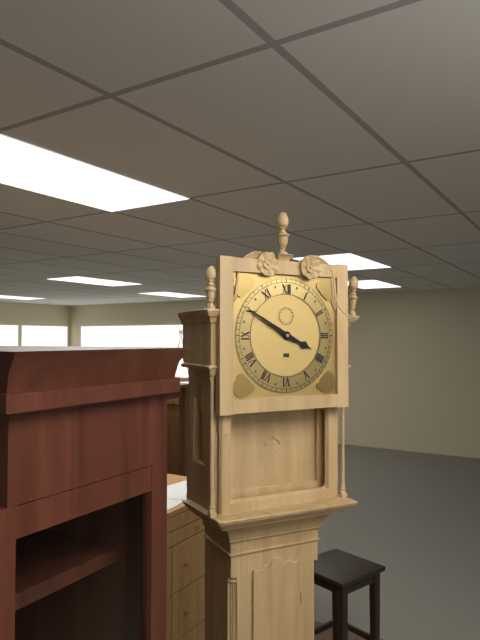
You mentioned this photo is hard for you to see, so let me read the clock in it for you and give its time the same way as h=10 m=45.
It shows h=3 m=50
